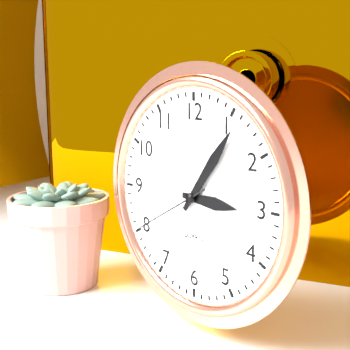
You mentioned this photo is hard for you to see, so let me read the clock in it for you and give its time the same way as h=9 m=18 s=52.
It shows h=3 m=6 s=40
